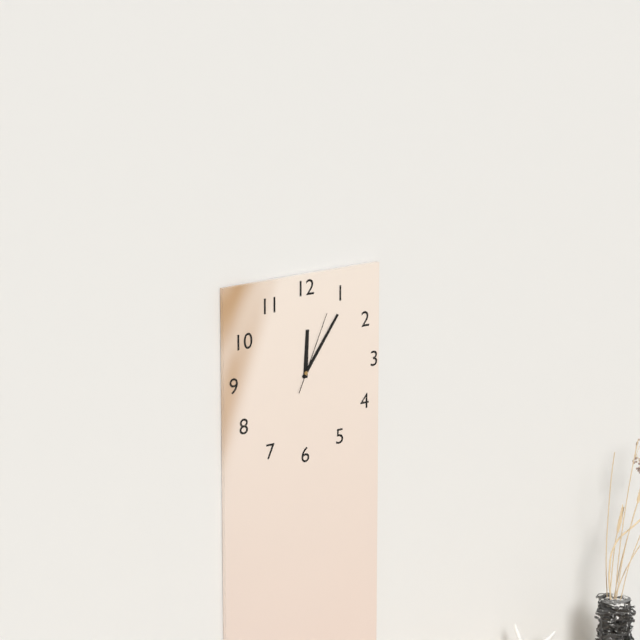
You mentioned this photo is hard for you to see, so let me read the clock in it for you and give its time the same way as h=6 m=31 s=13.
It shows h=12 m=6 s=4
